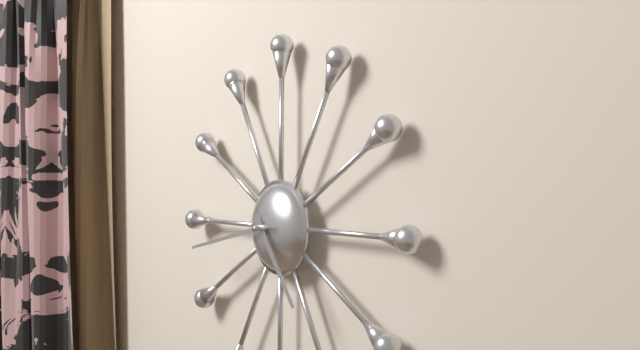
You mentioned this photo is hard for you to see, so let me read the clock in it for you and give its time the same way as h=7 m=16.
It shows h=4 m=43
